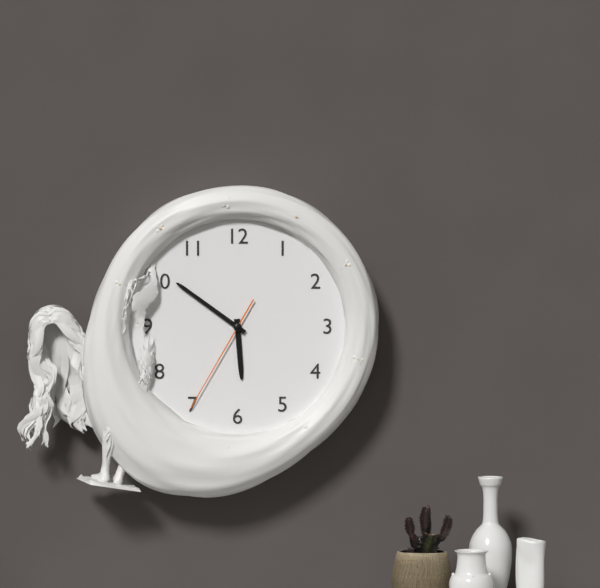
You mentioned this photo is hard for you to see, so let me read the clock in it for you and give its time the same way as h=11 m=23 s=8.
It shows h=5 m=51 s=35
